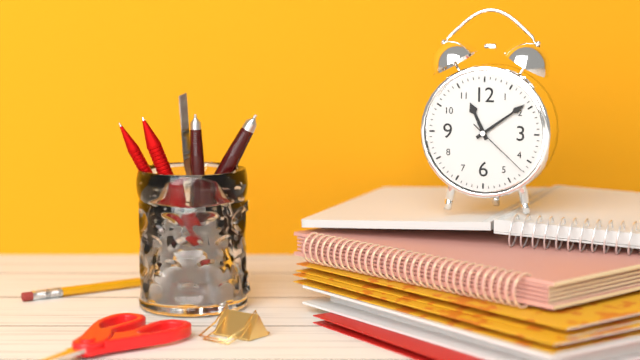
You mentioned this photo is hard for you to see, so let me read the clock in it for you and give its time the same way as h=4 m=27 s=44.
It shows h=11 m=9 s=22
